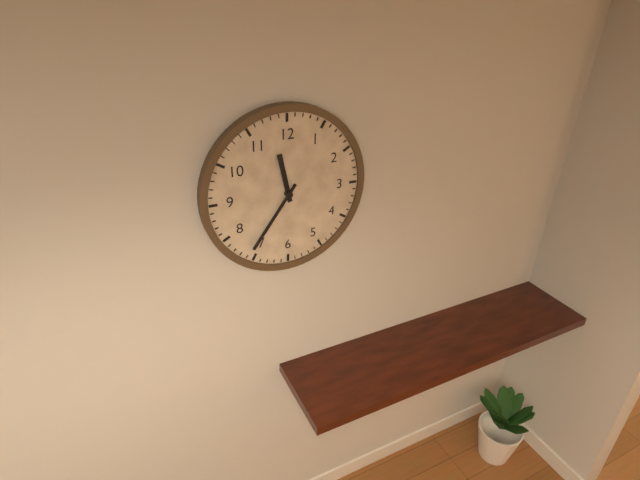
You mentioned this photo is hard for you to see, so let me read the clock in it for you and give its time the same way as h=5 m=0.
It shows h=11 m=36
